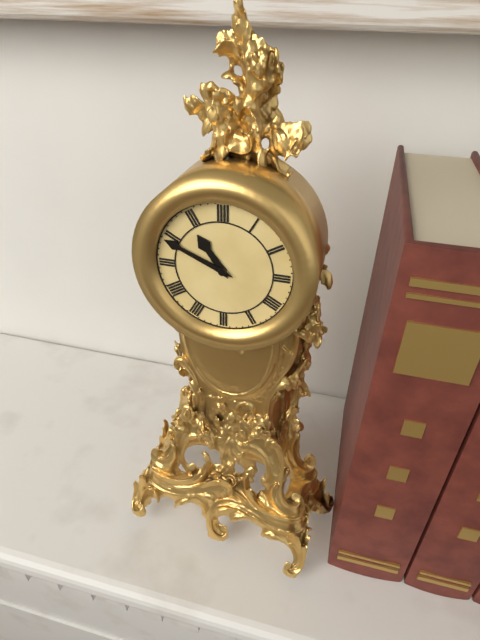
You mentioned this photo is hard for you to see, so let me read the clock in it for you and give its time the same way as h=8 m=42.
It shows h=10 m=49
